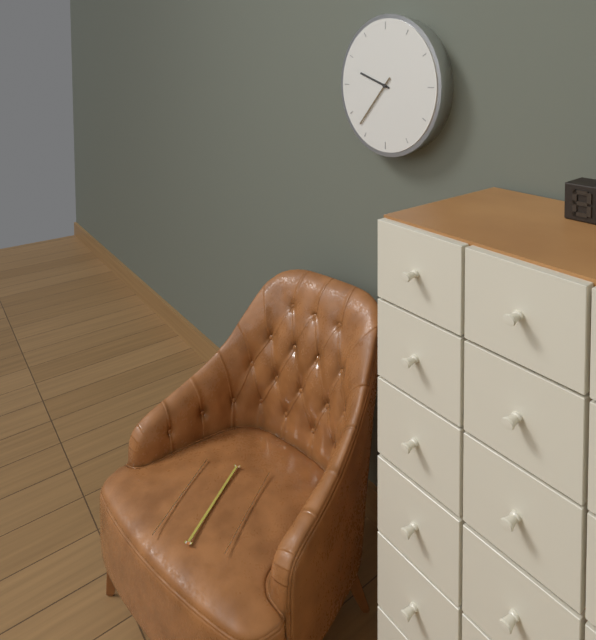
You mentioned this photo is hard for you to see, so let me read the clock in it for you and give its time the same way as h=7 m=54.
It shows h=9 m=37
